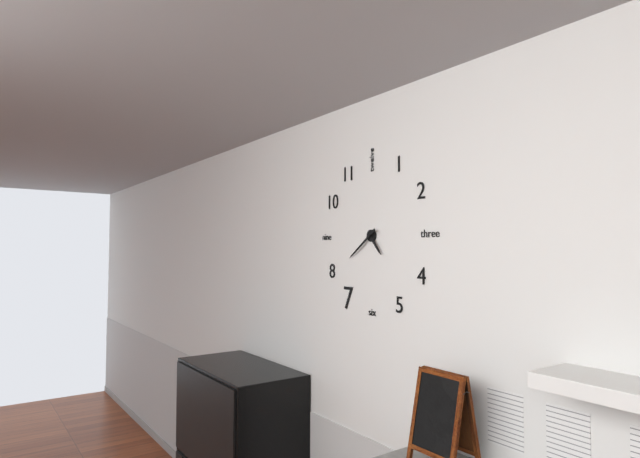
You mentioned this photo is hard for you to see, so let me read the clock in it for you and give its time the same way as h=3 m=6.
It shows h=4 m=39
